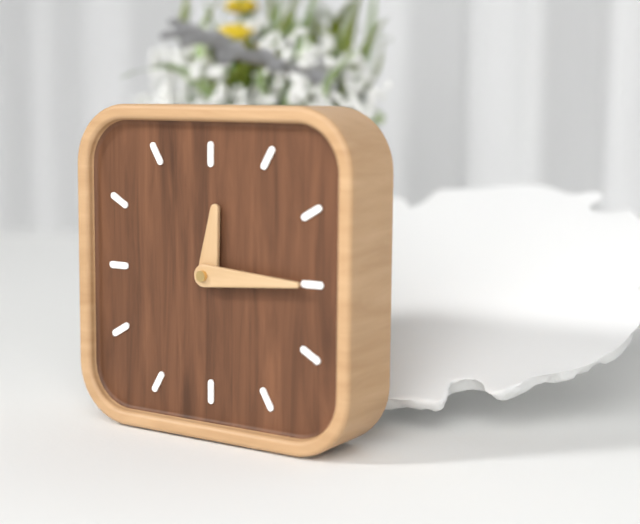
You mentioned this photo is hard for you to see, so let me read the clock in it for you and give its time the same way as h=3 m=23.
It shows h=12 m=15
